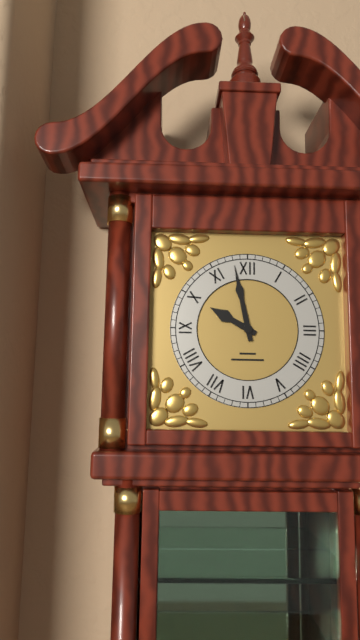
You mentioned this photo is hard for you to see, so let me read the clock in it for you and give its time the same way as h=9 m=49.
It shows h=9 m=58
